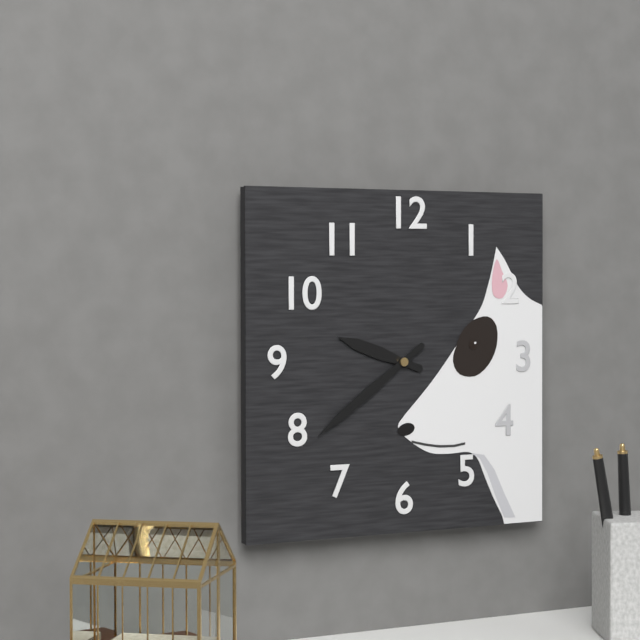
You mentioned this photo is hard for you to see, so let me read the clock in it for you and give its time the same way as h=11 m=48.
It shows h=9 m=39
